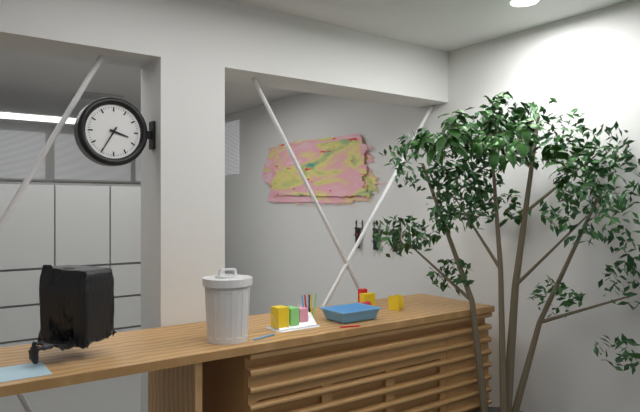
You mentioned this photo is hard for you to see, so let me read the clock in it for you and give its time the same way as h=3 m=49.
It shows h=3 m=35
